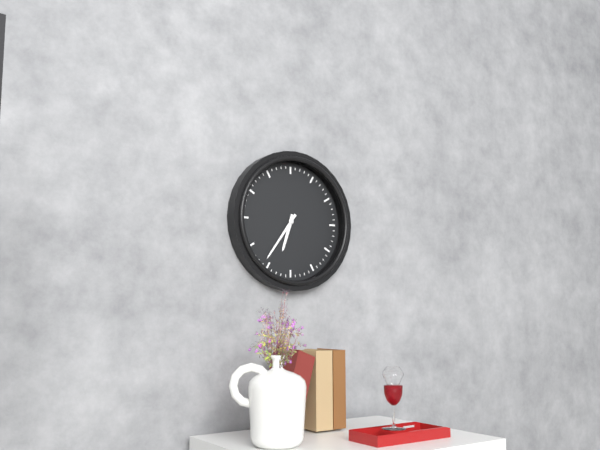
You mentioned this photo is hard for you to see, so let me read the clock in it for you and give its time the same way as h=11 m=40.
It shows h=6 m=36
